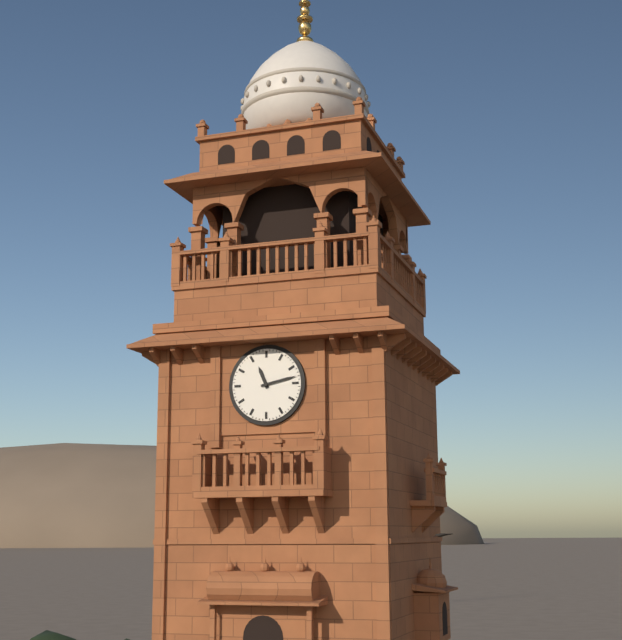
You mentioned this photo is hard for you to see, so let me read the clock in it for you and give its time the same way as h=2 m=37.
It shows h=11 m=13
